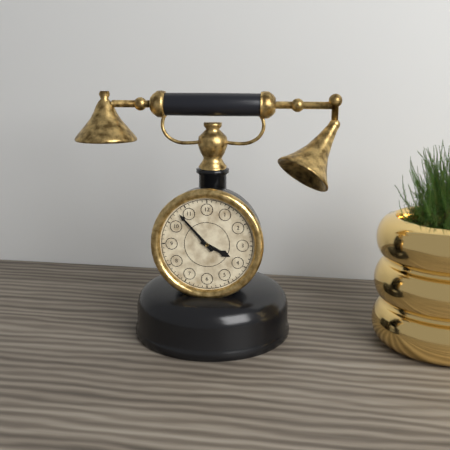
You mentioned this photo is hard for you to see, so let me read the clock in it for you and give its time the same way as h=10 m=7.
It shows h=3 m=53
